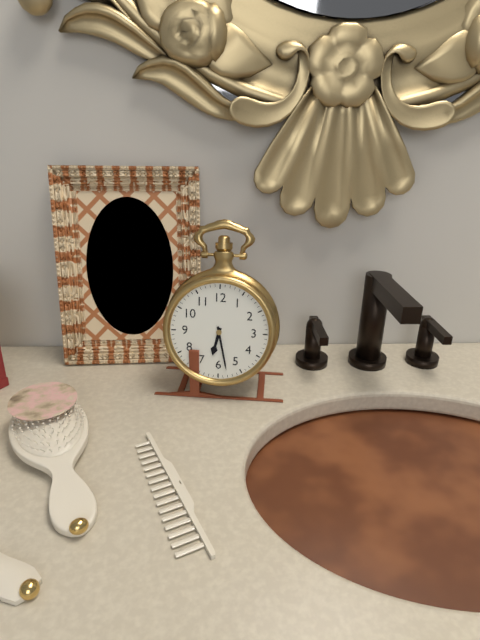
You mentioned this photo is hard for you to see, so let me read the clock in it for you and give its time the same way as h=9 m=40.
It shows h=6 m=28
